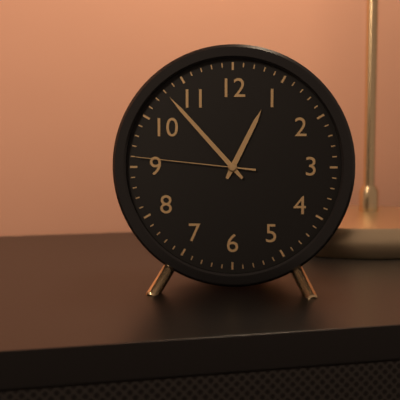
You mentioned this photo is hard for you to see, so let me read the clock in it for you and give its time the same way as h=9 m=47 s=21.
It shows h=12 m=53 s=46
